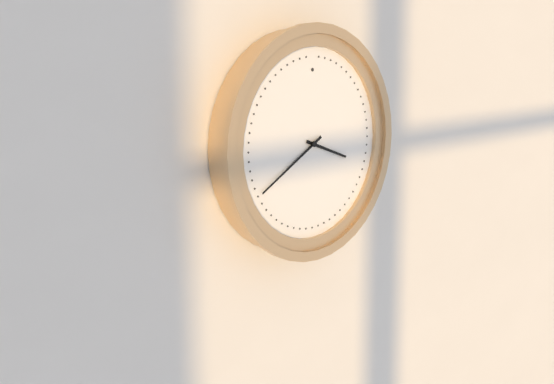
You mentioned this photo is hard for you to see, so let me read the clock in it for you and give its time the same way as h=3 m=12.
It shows h=3 m=40
